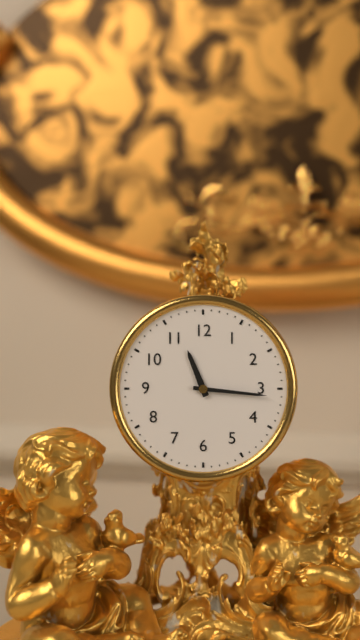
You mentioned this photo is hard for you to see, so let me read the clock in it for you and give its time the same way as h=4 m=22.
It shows h=11 m=16
